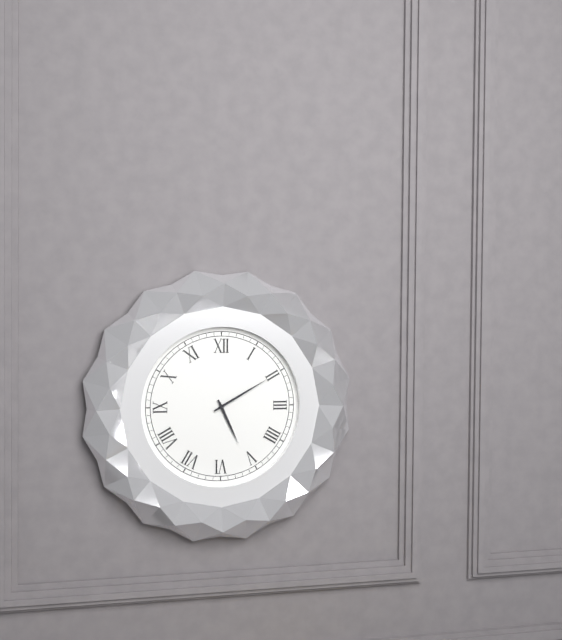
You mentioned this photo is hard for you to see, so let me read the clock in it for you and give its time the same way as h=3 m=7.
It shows h=5 m=10
